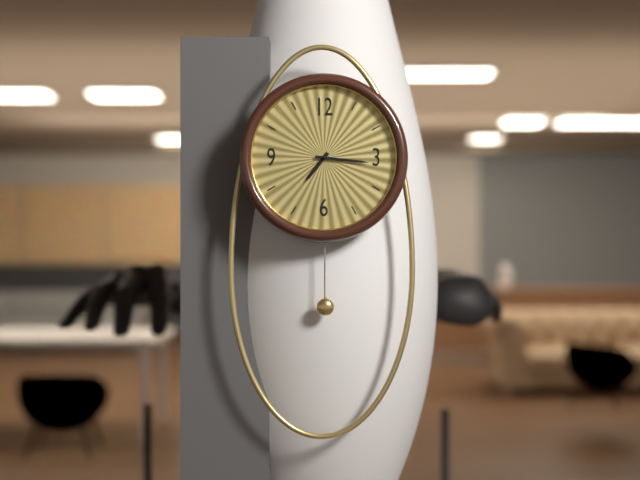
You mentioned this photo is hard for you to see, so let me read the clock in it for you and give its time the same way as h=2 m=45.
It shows h=7 m=16
